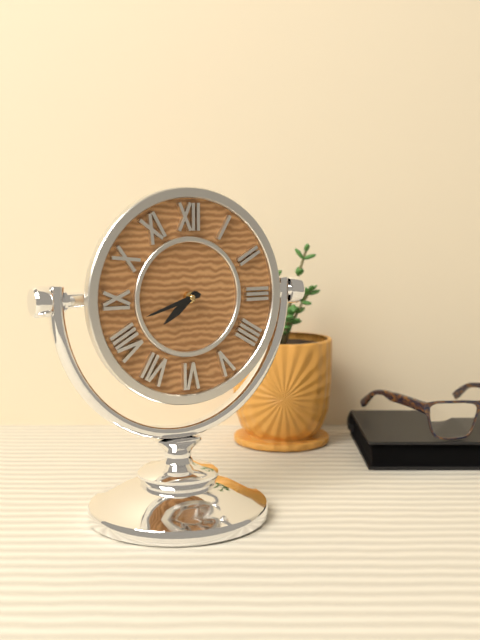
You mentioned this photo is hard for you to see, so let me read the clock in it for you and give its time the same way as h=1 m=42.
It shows h=7 m=42
